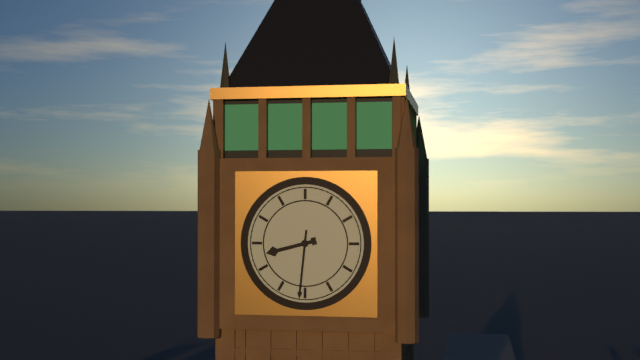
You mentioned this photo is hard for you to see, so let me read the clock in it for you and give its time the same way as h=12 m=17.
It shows h=8 m=31
